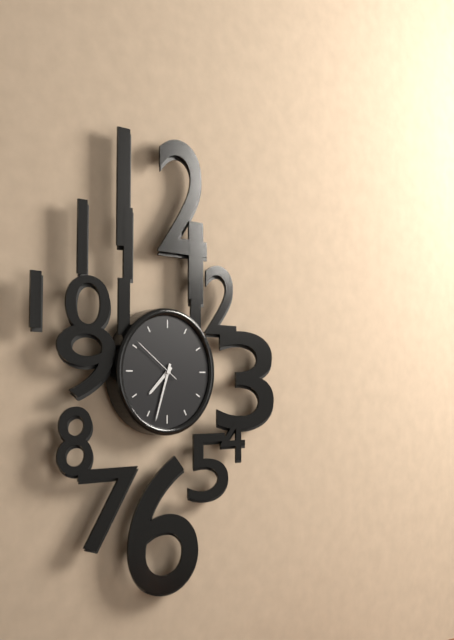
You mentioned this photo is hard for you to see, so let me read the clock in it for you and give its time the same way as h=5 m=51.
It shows h=7 m=33
